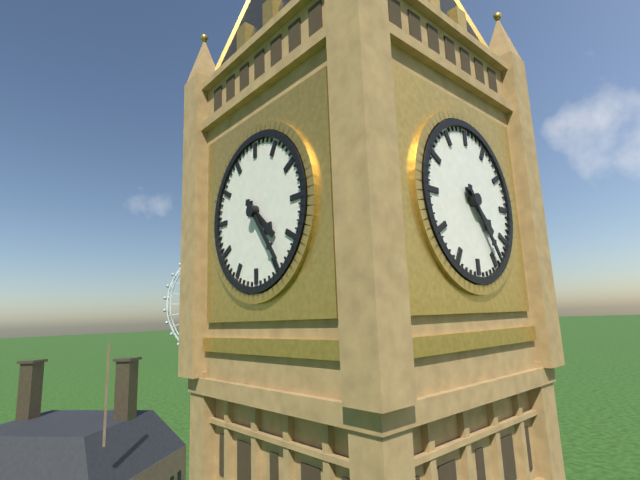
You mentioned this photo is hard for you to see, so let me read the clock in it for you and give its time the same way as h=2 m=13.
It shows h=4 m=24
